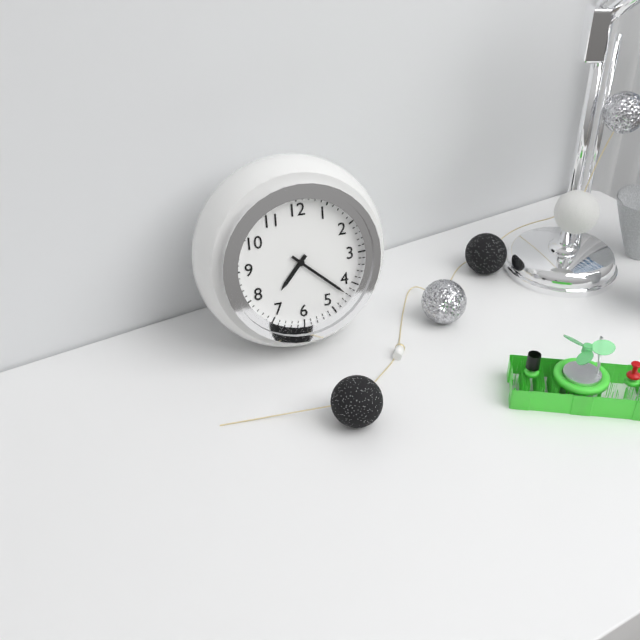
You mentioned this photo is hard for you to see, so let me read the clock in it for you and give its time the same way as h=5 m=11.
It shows h=7 m=22
